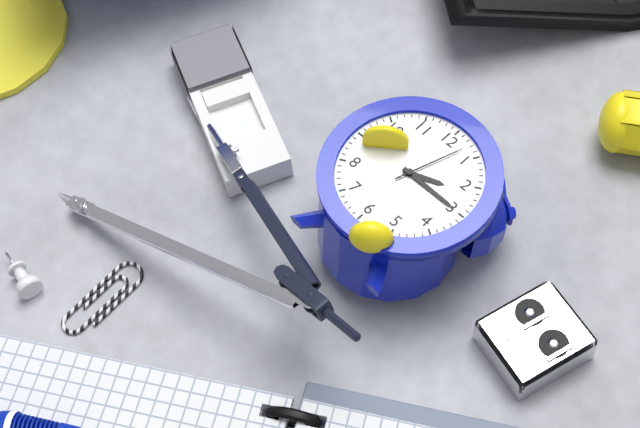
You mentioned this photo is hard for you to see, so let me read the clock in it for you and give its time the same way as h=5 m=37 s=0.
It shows h=2 m=15 s=3
